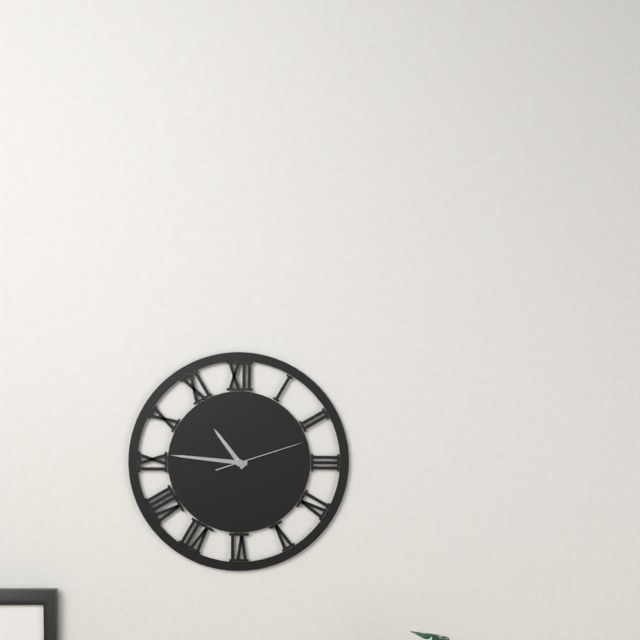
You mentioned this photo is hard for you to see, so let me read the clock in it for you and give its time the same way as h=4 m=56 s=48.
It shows h=10 m=46 s=12
